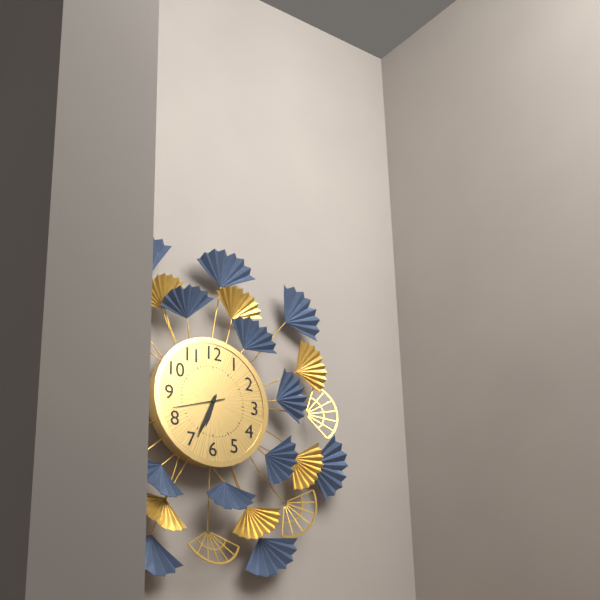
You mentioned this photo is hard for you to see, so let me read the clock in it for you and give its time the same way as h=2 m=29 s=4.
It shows h=6 m=34 s=42
